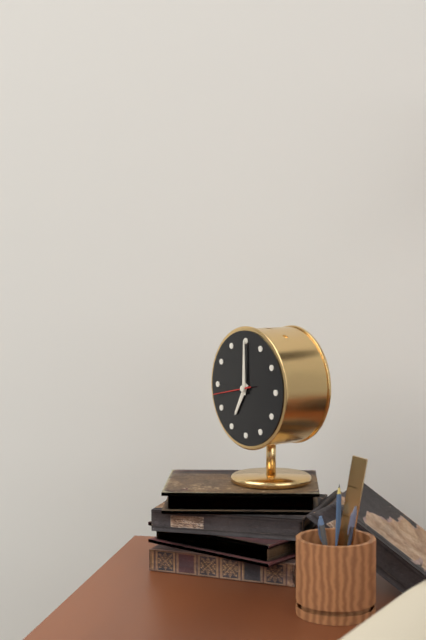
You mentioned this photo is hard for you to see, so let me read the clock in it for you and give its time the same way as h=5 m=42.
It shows h=7 m=0
